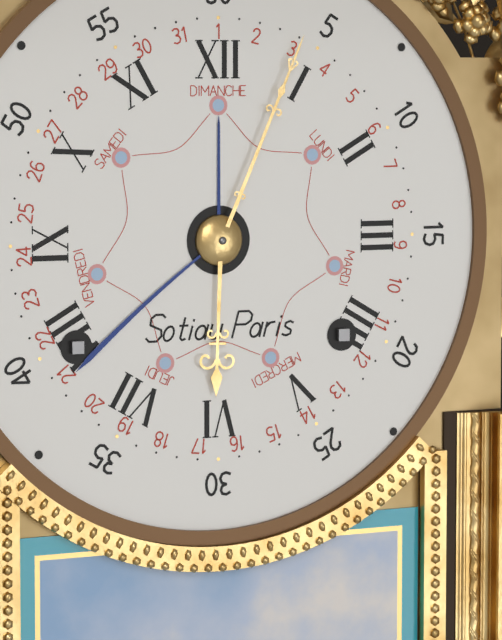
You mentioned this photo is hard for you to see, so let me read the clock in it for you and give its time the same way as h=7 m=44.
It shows h=6 m=4
